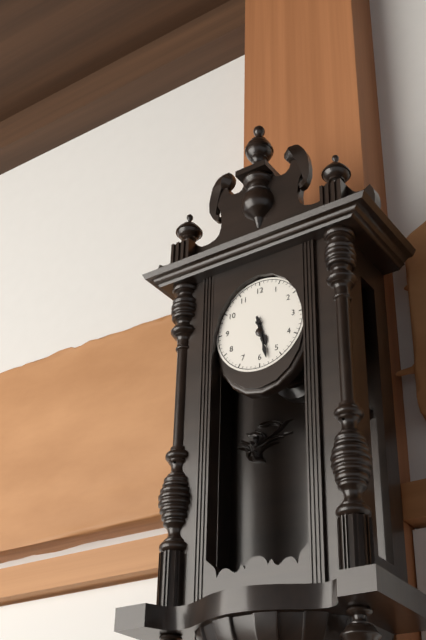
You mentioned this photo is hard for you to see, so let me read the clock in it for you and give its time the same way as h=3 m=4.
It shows h=5 m=28
